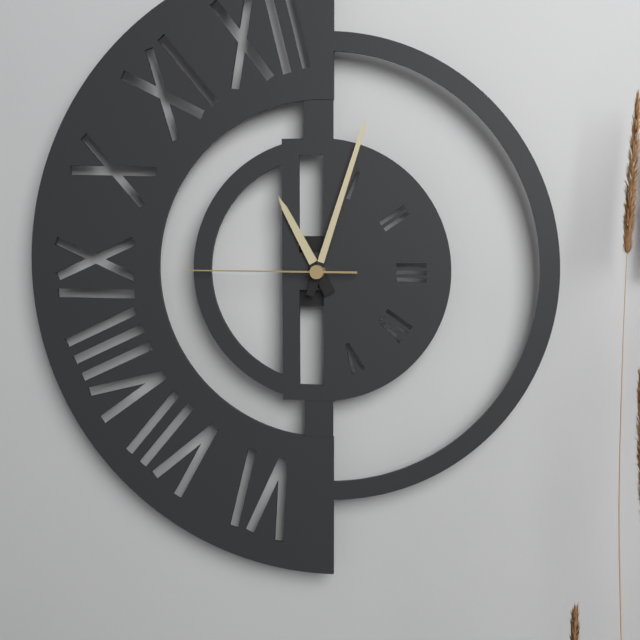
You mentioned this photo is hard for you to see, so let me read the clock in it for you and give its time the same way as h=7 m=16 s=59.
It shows h=11 m=3 s=45
